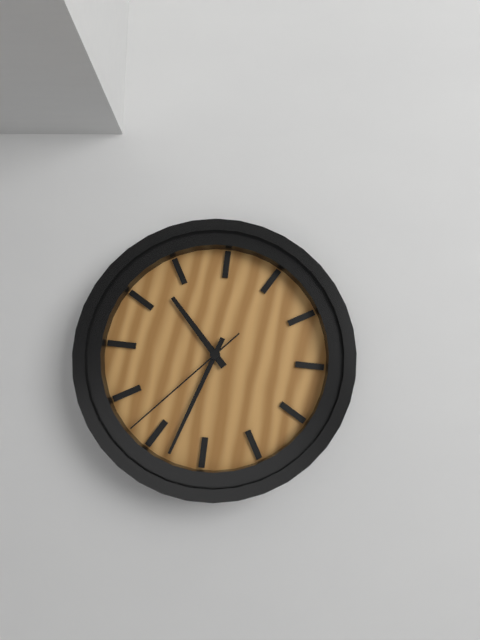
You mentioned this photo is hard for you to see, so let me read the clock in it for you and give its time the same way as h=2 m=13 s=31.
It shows h=10 m=33 s=37
